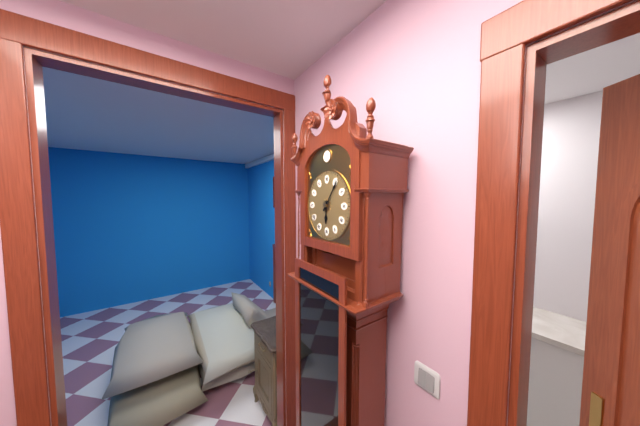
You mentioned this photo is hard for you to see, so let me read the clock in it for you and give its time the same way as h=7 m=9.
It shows h=6 m=6
